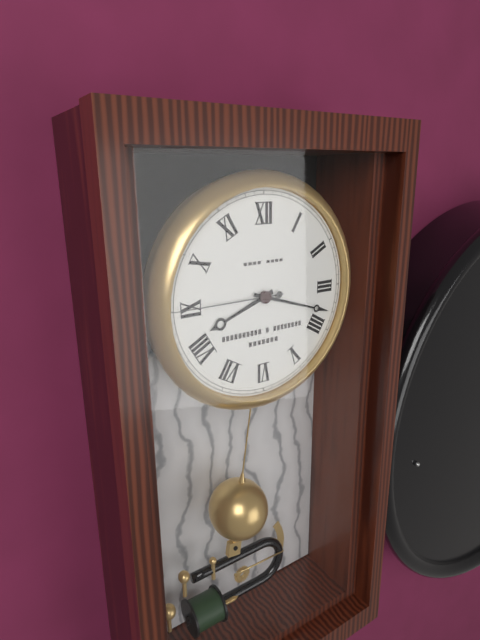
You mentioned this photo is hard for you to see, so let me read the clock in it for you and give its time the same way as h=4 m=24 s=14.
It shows h=8 m=18 s=45
